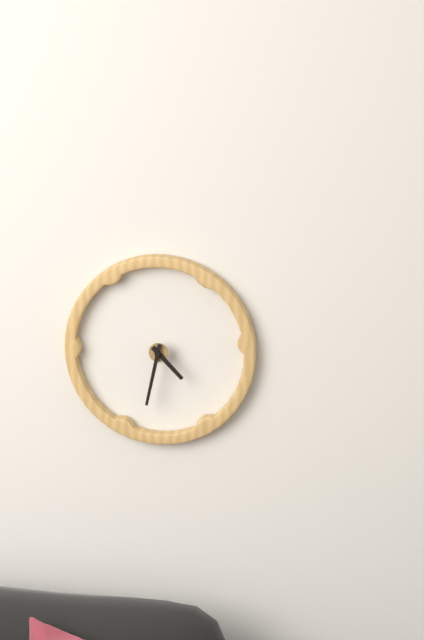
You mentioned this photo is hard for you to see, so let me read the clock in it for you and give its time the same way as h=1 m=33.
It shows h=4 m=32
